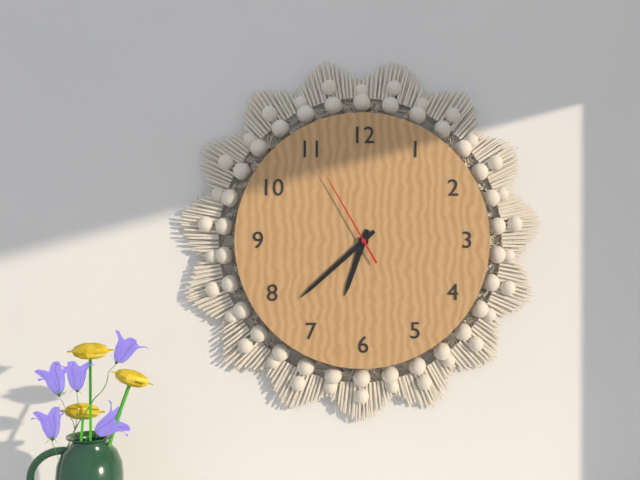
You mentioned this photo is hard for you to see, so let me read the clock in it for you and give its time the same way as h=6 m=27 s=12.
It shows h=6 m=38 s=55
